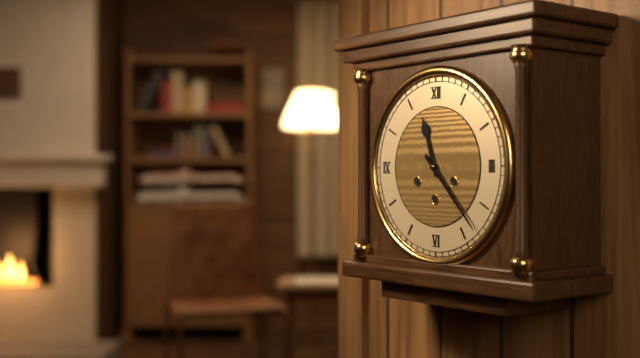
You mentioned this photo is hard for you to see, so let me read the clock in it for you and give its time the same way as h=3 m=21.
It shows h=11 m=23
